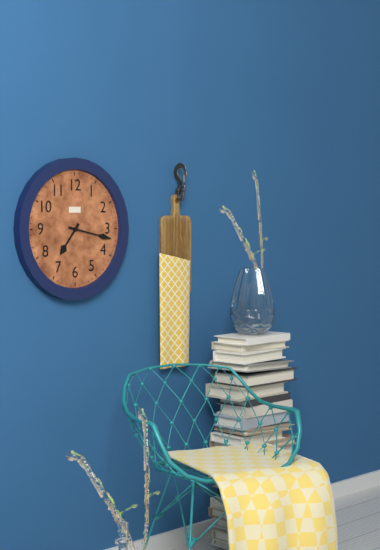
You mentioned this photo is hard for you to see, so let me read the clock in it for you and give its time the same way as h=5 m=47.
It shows h=7 m=17
